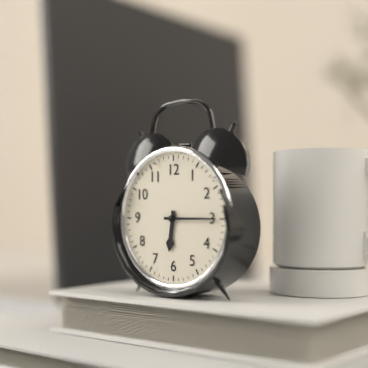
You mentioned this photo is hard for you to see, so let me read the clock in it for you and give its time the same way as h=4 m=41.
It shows h=6 m=15
